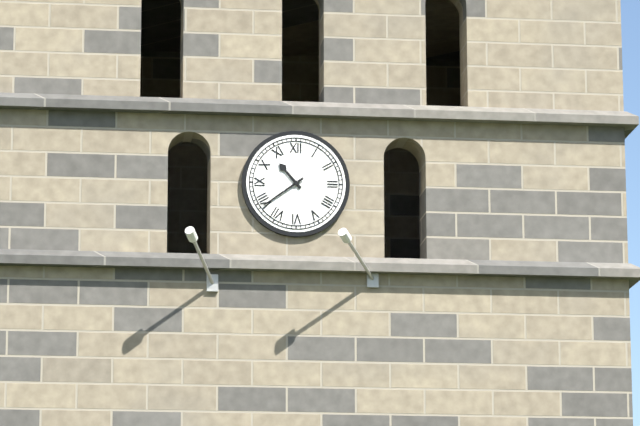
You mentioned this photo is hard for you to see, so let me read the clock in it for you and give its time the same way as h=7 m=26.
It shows h=10 m=39
